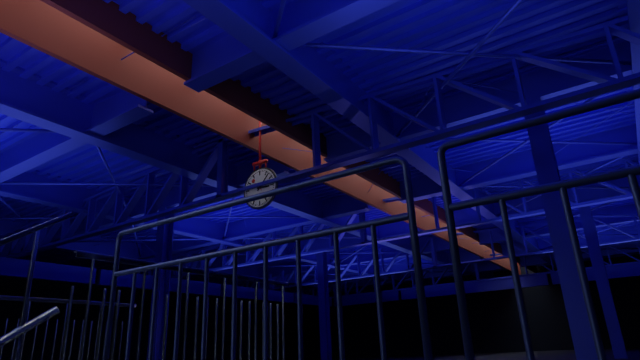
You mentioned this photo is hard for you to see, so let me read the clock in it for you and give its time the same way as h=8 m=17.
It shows h=3 m=7
